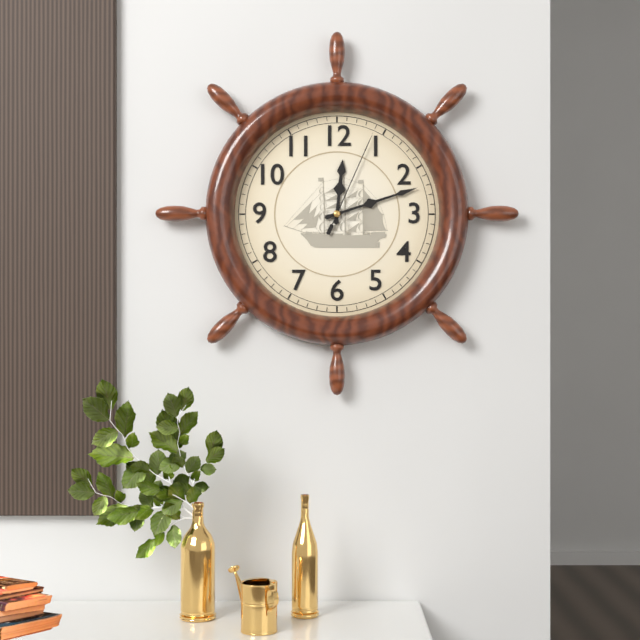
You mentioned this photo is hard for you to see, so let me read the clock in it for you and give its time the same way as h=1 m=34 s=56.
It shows h=12 m=12 s=4
